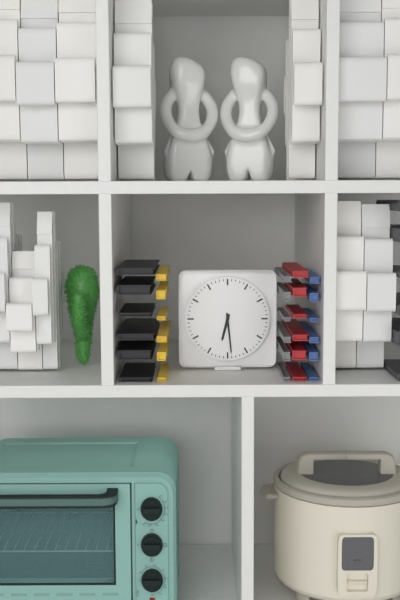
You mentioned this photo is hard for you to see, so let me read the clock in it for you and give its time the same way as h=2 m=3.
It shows h=6 m=29
